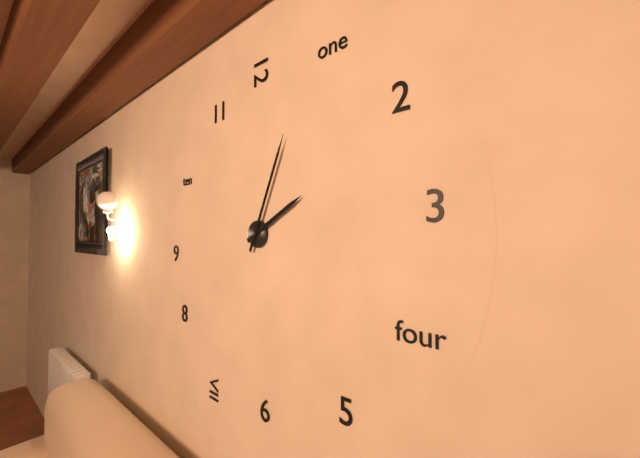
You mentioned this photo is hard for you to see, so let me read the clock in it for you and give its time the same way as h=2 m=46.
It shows h=2 m=4
